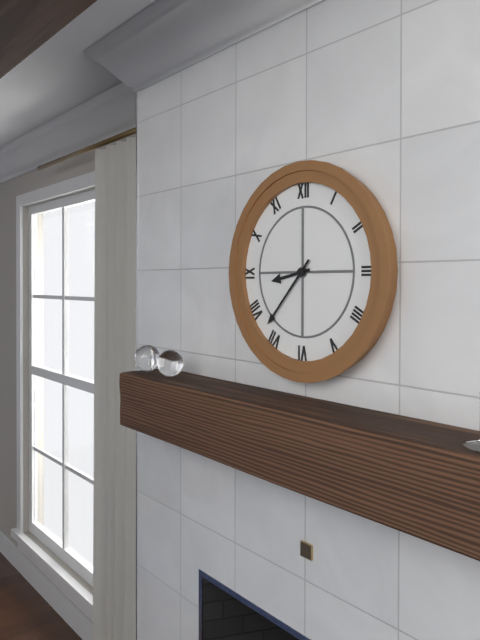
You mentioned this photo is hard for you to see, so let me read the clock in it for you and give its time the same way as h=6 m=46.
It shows h=8 m=37
